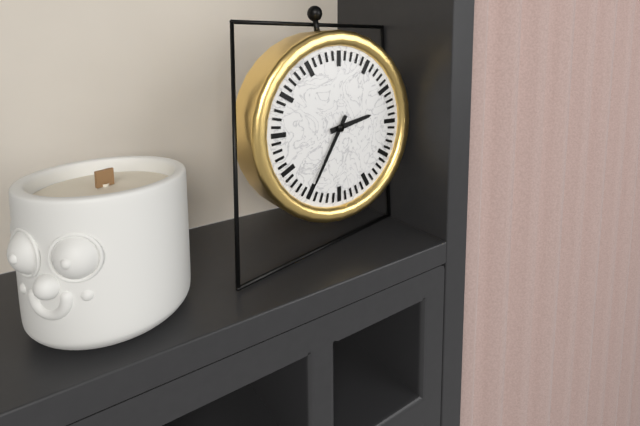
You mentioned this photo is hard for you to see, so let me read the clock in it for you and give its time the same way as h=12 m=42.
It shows h=2 m=35
